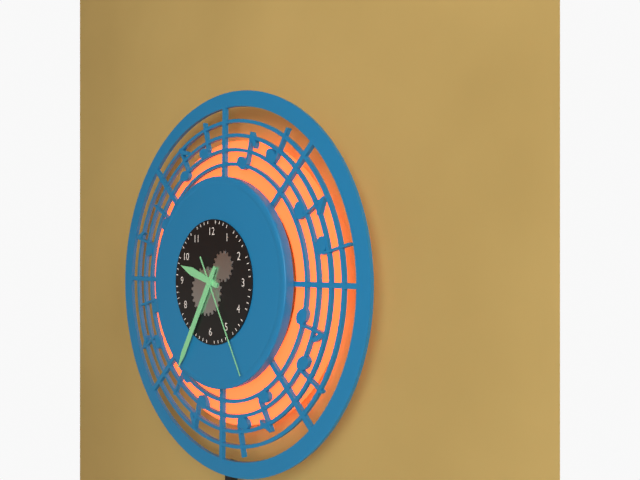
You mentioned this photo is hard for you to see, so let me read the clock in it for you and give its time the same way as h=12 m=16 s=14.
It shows h=9 m=35 s=25
